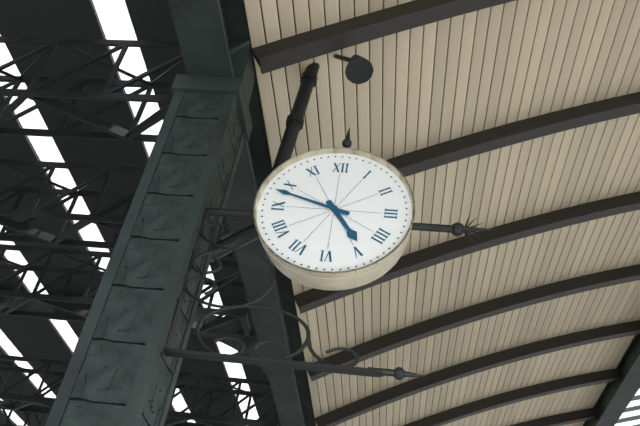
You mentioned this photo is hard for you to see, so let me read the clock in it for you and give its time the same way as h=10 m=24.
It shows h=4 m=48
